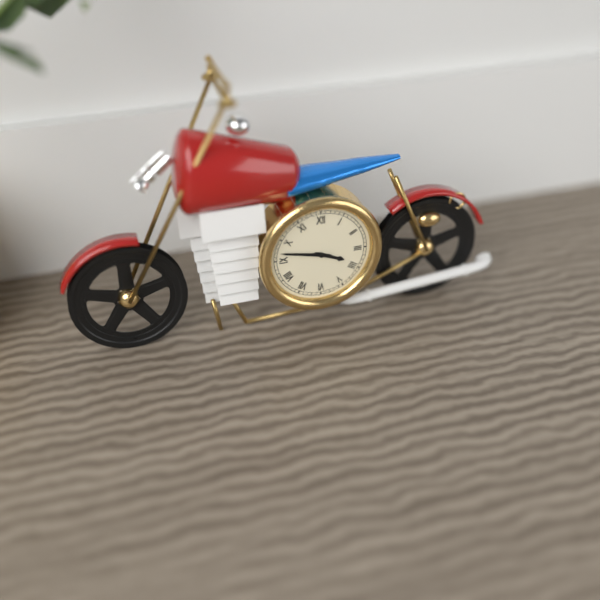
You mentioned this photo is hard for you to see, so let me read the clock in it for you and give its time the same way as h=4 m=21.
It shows h=3 m=47
